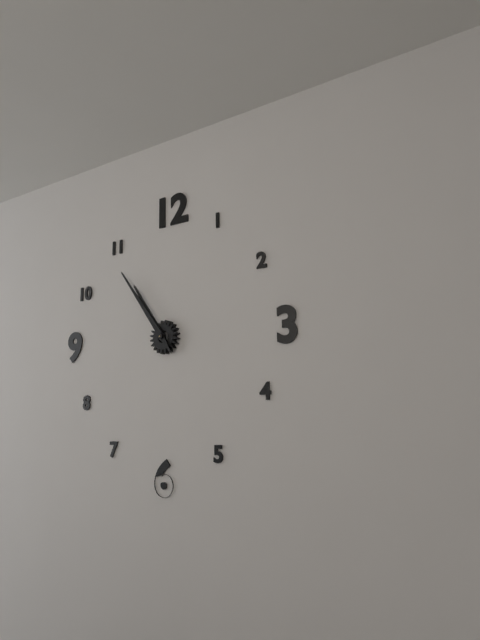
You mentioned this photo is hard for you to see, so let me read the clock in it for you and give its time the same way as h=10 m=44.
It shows h=10 m=54
